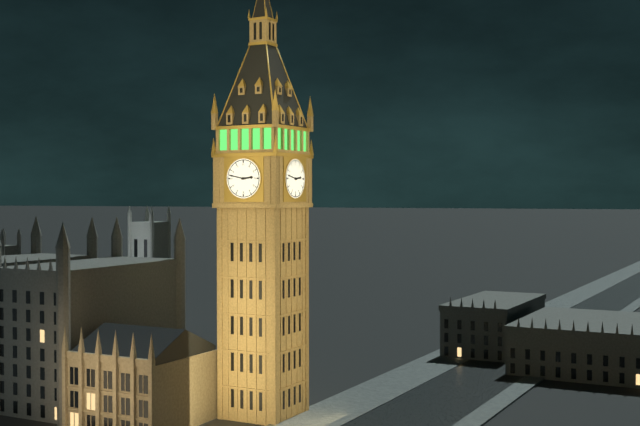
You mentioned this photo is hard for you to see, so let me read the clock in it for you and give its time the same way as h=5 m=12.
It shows h=2 m=47
